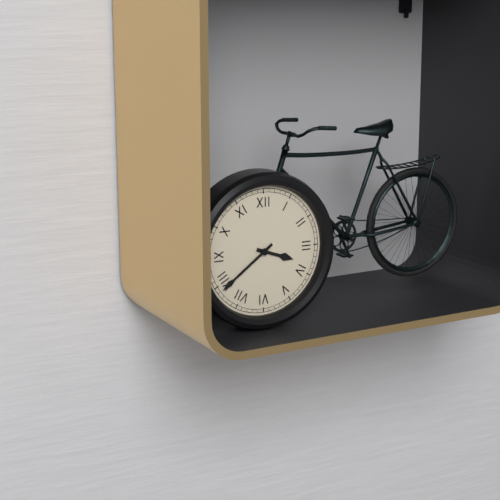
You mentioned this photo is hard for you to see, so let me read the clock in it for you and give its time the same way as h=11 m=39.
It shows h=3 m=39
